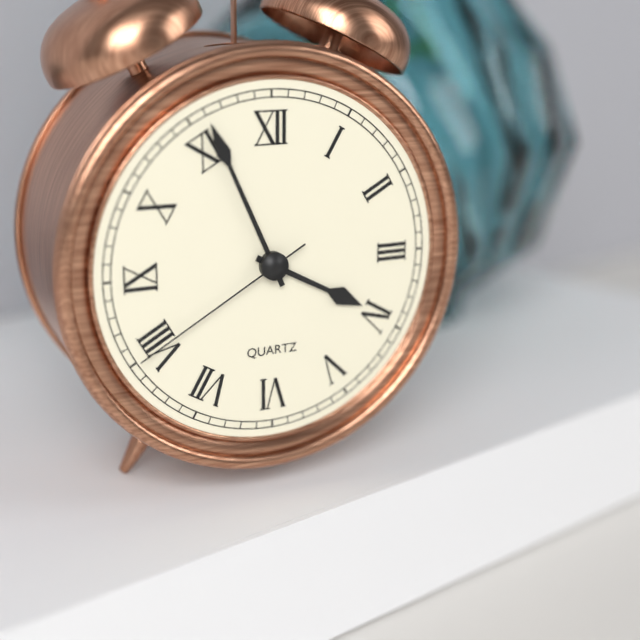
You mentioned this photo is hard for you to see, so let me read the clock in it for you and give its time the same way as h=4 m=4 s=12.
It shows h=3 m=56 s=40
